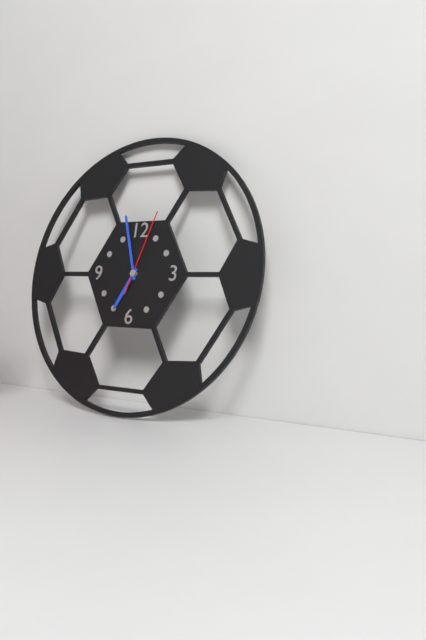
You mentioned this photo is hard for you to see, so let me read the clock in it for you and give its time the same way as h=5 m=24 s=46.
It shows h=6 m=57 s=3
